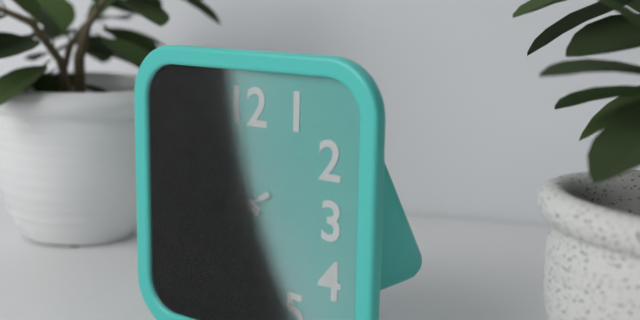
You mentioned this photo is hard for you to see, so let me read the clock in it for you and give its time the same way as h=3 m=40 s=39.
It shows h=9 m=48 s=40
